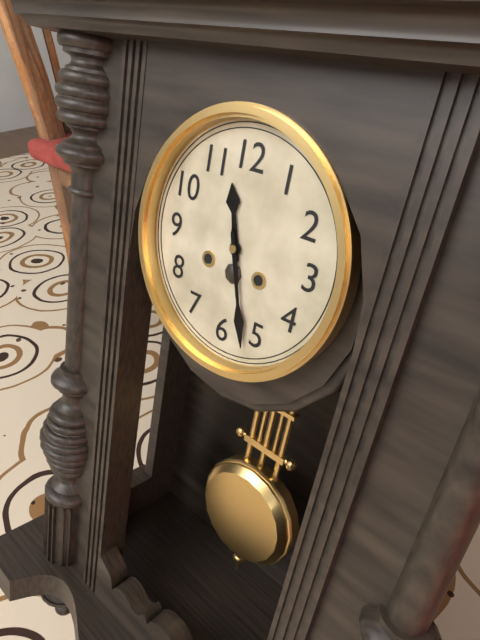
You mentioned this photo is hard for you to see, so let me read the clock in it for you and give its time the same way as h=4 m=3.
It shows h=11 m=27
